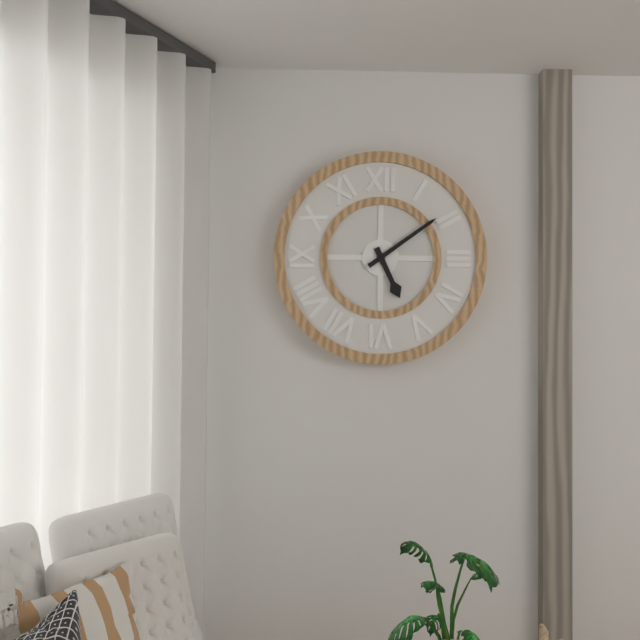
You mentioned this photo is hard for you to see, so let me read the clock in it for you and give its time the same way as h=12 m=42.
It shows h=5 m=9
